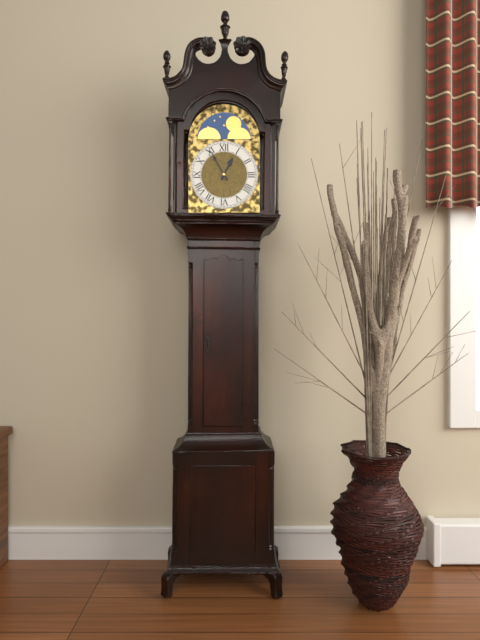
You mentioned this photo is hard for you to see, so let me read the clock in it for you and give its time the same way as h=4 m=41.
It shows h=12 m=55
